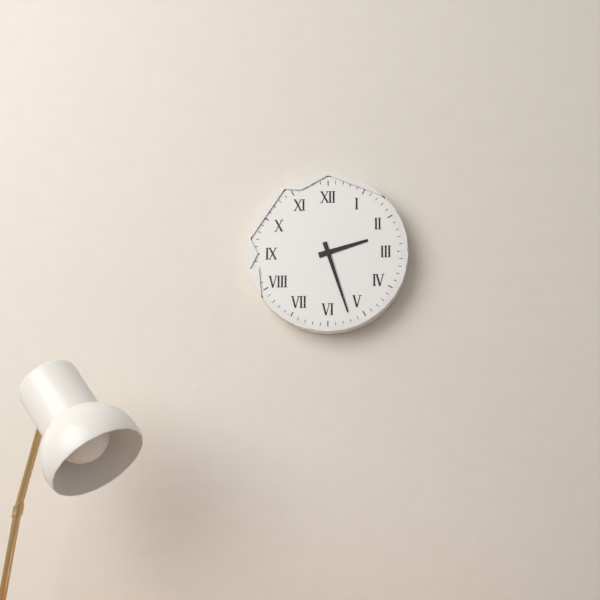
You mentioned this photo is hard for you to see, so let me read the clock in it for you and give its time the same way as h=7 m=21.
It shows h=2 m=27
